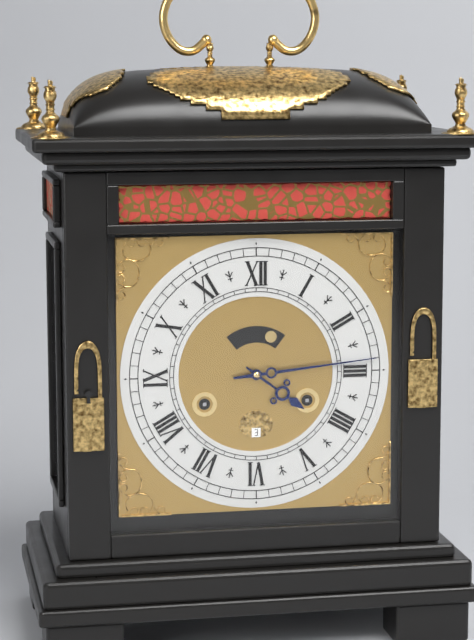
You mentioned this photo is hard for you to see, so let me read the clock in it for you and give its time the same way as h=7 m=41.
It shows h=4 m=14
